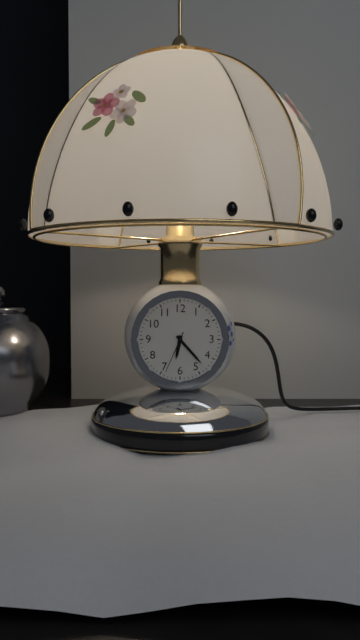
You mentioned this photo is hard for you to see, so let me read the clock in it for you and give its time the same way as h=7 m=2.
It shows h=6 m=23
